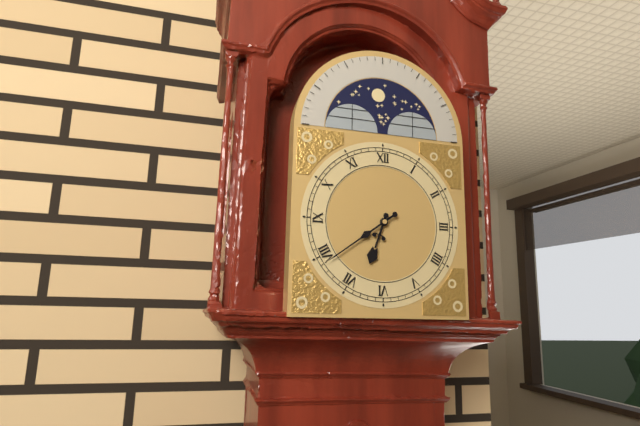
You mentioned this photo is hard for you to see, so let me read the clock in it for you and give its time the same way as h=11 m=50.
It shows h=6 m=39
